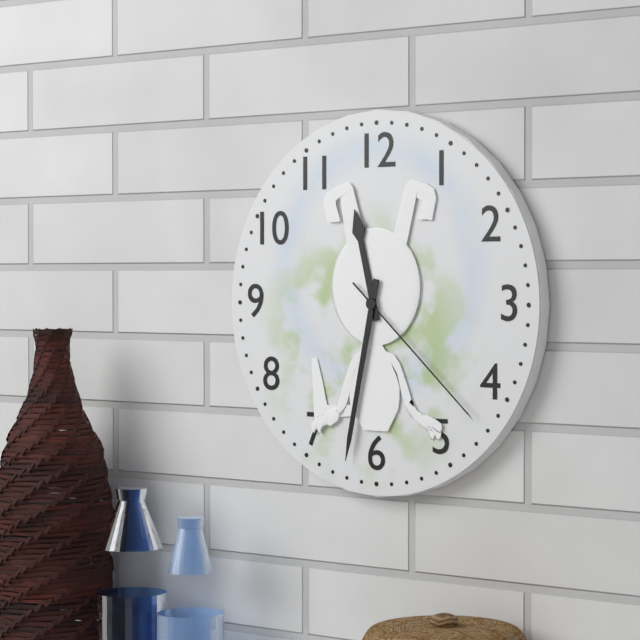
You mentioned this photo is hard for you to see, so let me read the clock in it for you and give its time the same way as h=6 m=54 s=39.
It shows h=11 m=32 s=22
